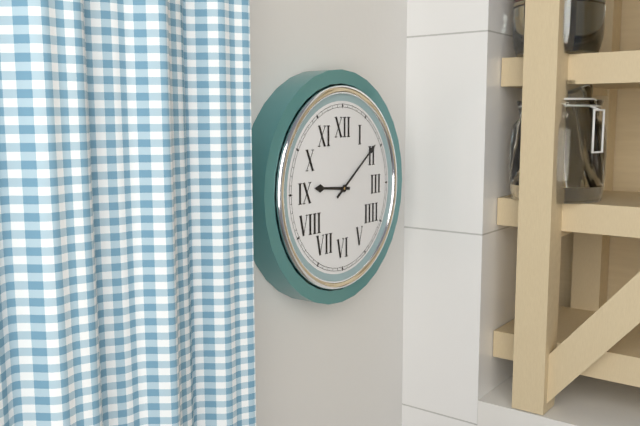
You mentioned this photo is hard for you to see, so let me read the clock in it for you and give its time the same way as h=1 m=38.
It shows h=9 m=9
